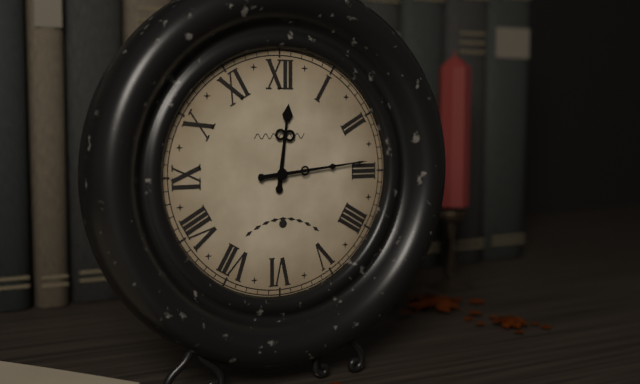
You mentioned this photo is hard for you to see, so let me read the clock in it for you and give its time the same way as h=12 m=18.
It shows h=12 m=14
